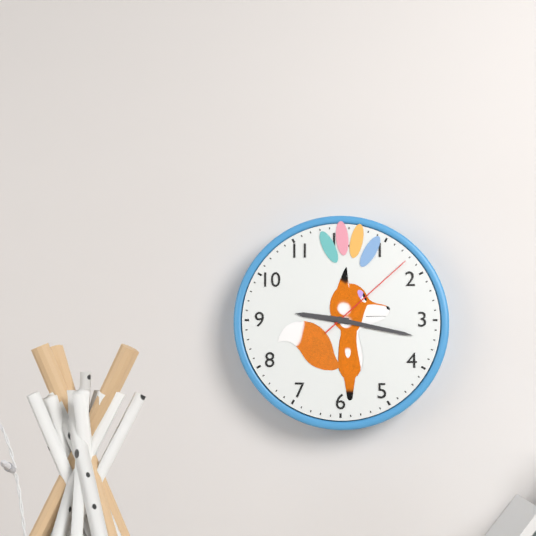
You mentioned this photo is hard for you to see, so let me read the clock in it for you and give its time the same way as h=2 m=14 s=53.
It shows h=9 m=17 s=8
